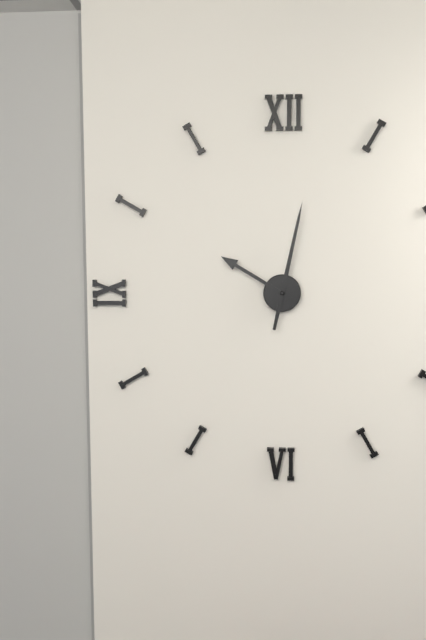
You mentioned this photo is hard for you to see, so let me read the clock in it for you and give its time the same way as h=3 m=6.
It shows h=10 m=2
